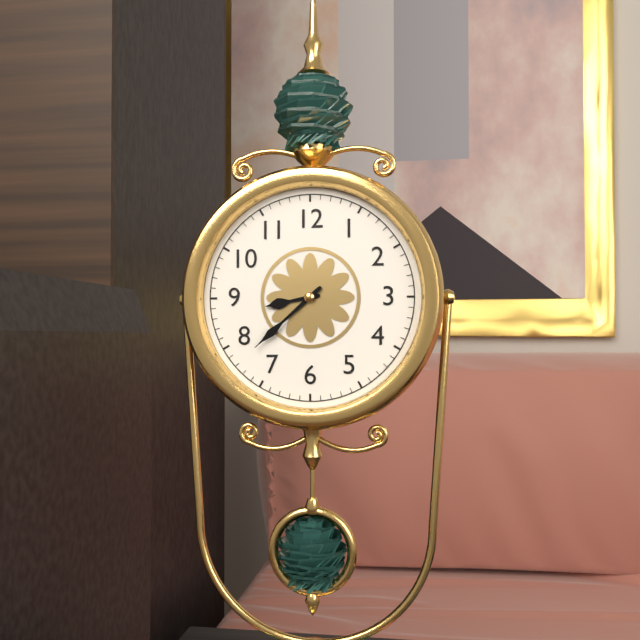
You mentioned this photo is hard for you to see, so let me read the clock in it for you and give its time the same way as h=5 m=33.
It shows h=8 m=38
